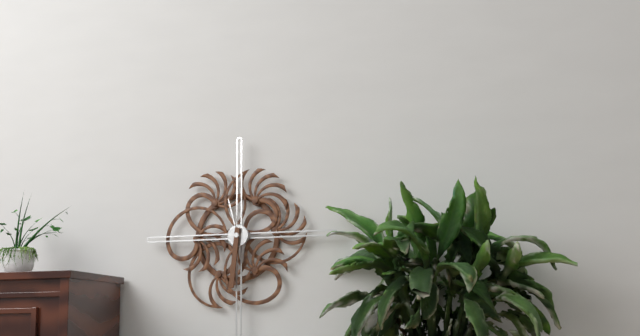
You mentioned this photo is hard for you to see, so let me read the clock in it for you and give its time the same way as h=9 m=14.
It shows h=11 m=31
